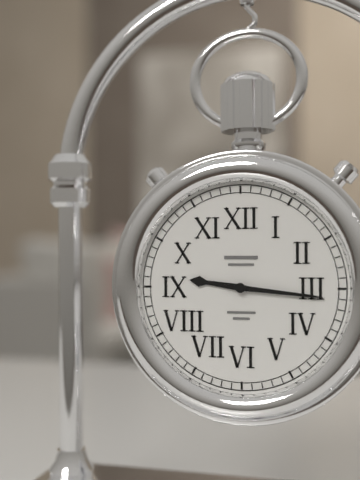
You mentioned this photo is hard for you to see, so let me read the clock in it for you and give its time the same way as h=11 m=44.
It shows h=9 m=16
